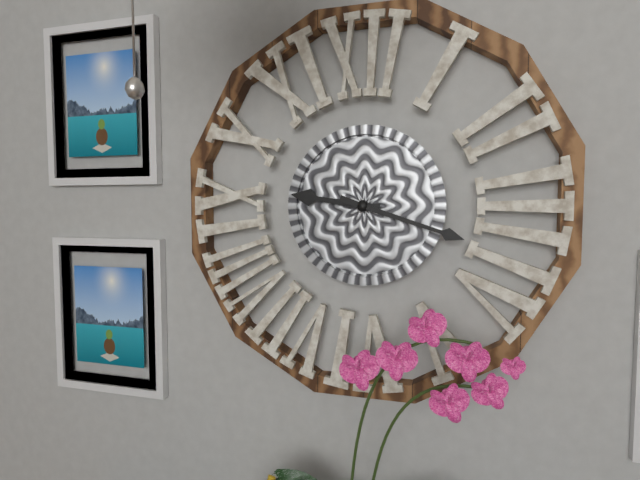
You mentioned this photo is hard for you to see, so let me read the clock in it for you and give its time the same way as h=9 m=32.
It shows h=9 m=18
